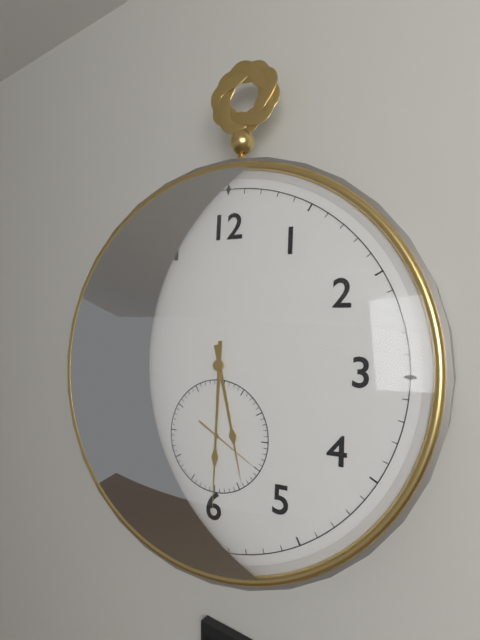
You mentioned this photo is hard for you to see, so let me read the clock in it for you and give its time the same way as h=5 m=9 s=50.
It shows h=5 m=30 s=20
